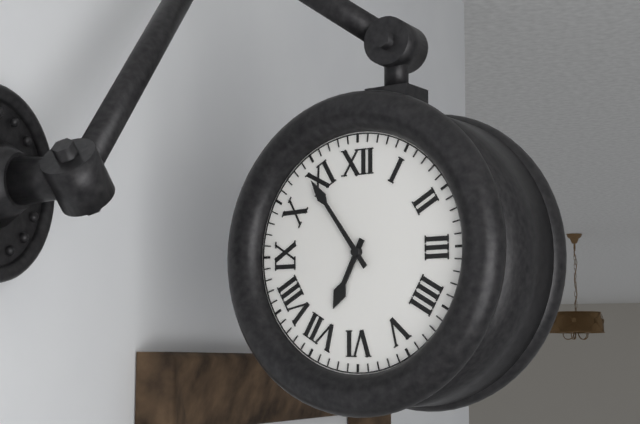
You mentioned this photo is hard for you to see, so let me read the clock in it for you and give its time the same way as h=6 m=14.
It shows h=6 m=54
